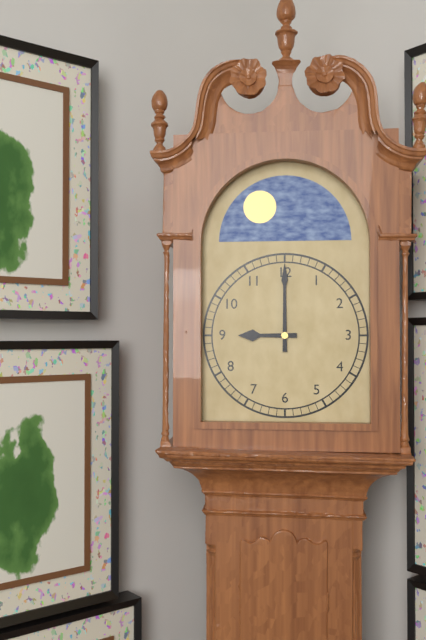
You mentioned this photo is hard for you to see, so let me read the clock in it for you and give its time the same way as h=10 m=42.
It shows h=9 m=0
